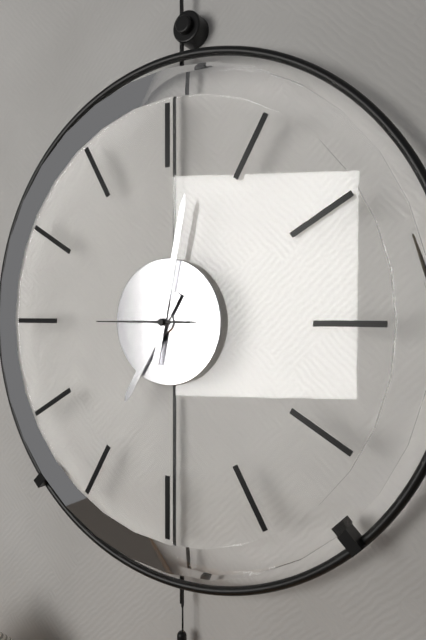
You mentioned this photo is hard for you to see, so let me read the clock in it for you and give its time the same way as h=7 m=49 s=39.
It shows h=7 m=2 s=45
